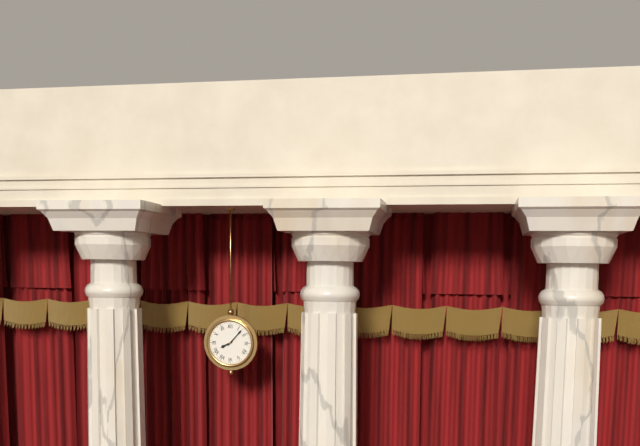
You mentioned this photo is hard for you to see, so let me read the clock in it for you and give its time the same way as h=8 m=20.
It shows h=8 m=7
